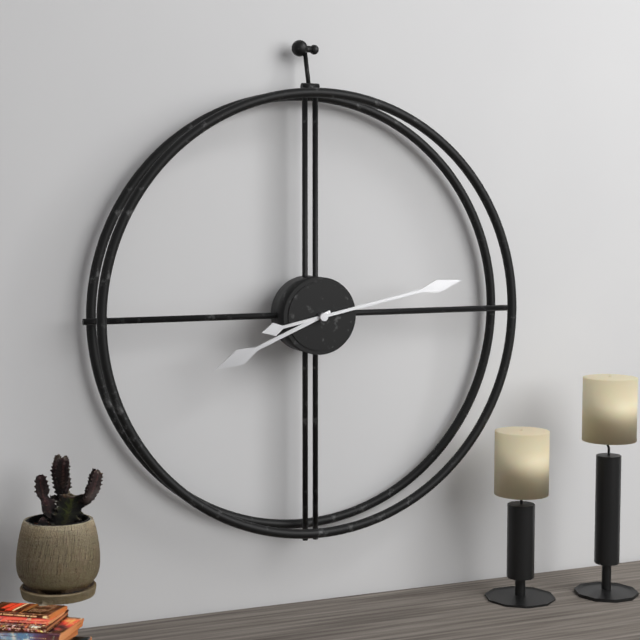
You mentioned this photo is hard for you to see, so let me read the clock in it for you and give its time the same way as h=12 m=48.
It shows h=8 m=13
